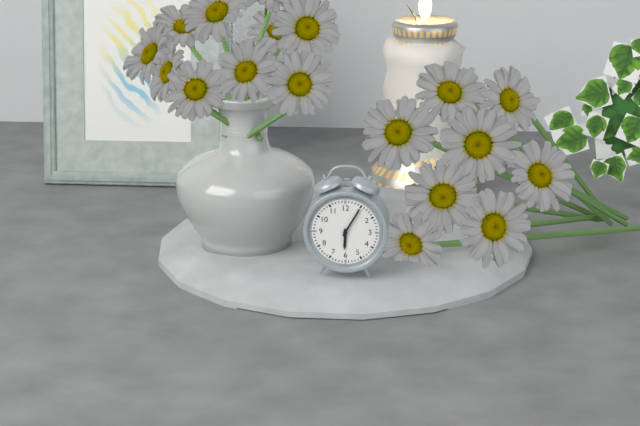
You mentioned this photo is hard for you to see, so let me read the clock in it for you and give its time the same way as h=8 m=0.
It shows h=6 m=5
